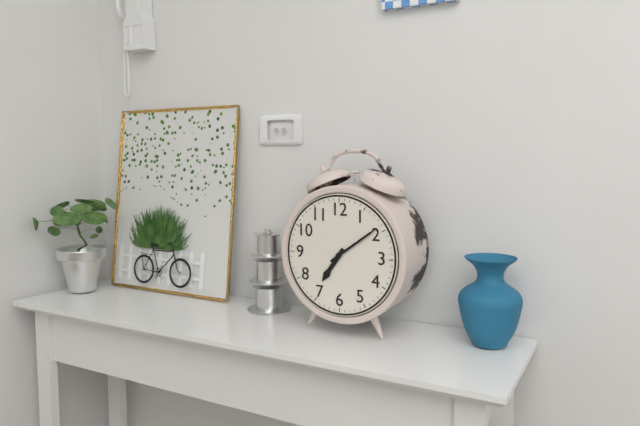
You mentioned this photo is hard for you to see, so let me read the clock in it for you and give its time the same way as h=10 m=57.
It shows h=7 m=9
